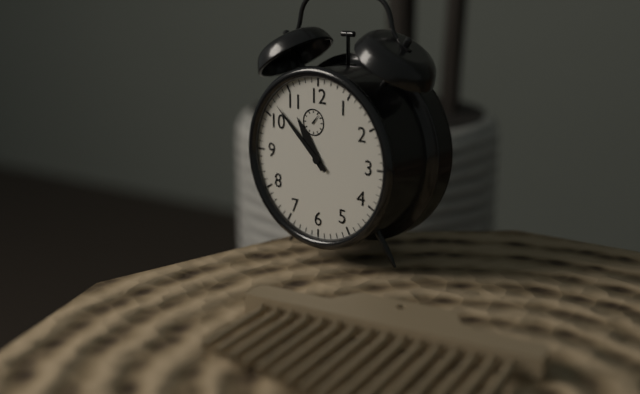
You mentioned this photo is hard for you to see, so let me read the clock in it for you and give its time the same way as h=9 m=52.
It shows h=10 m=52
